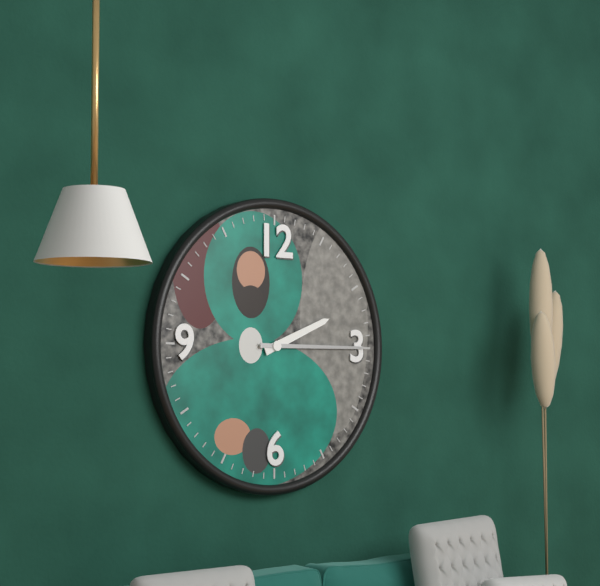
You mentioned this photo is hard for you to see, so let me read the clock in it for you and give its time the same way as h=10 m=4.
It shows h=2 m=15
